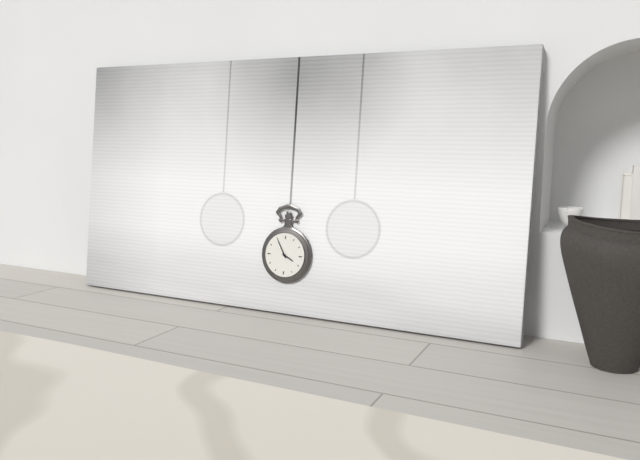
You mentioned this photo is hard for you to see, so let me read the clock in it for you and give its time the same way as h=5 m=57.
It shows h=3 m=55
